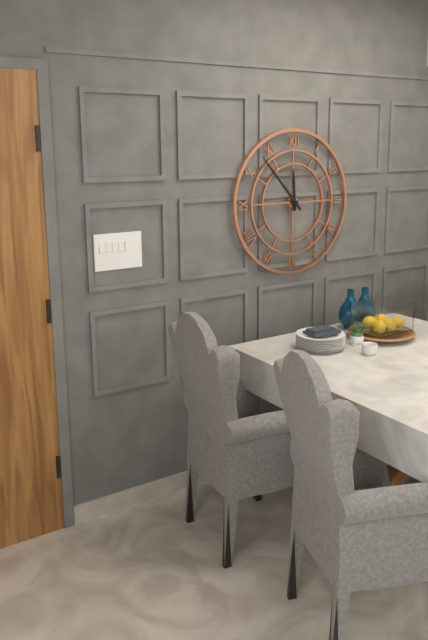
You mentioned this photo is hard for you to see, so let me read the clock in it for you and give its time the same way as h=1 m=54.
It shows h=11 m=53
